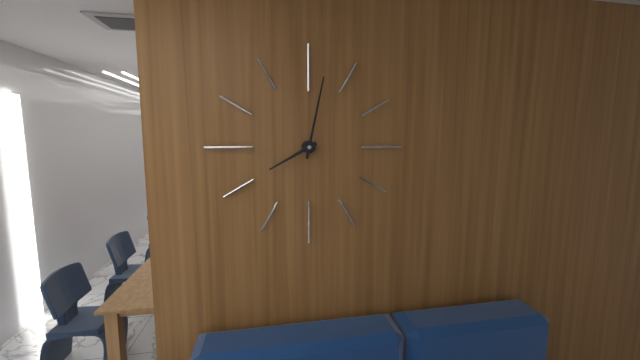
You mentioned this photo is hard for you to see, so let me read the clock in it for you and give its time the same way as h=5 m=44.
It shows h=8 m=2
